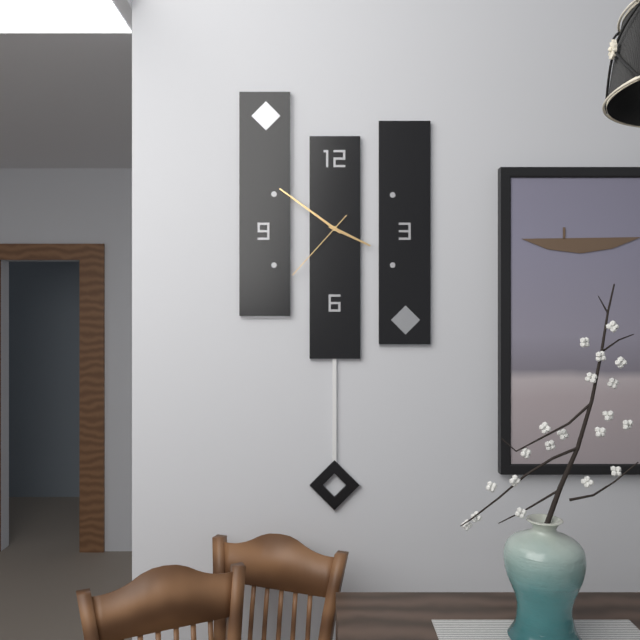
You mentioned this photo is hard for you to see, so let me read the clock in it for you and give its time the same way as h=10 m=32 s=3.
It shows h=3 m=51 s=37
